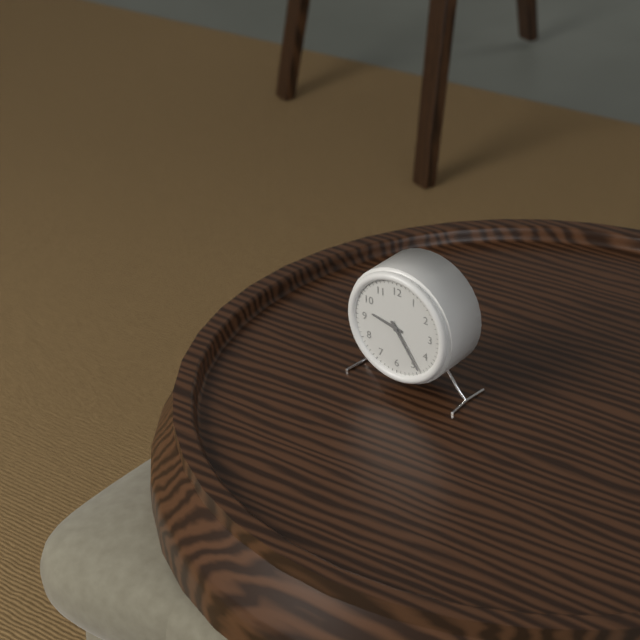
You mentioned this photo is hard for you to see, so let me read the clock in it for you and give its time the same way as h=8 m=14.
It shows h=9 m=24
